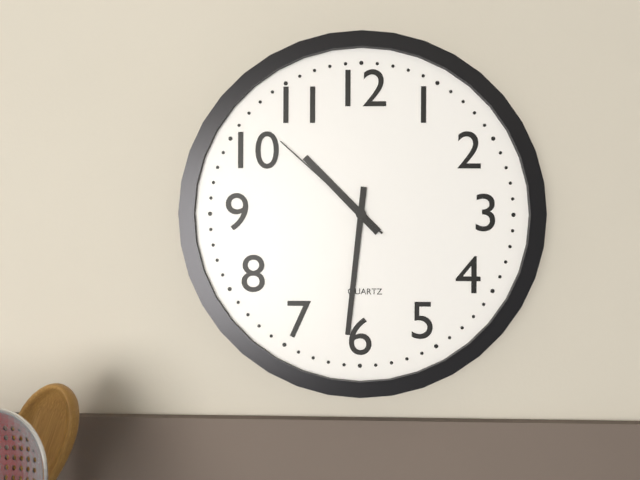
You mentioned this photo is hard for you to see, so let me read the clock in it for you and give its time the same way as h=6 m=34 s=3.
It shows h=10 m=31 s=52
